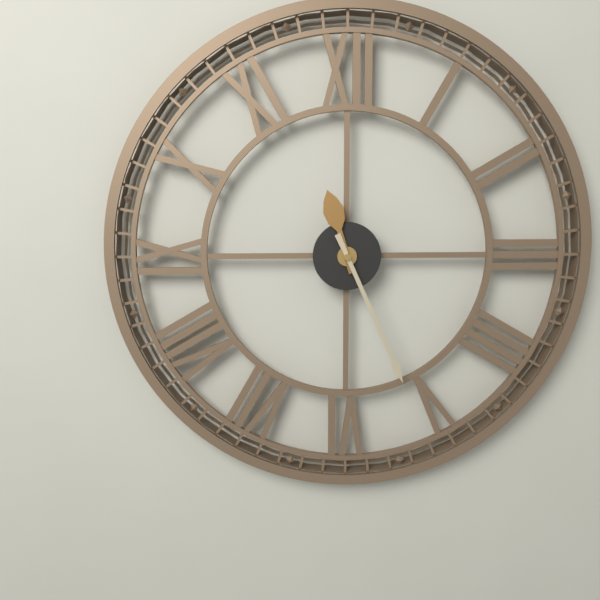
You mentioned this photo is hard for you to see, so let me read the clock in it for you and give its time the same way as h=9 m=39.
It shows h=11 m=26
